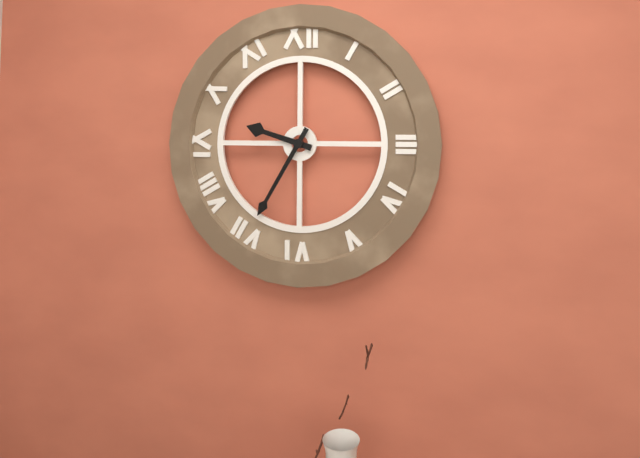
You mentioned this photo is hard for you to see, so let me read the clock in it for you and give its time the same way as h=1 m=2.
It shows h=9 m=35
